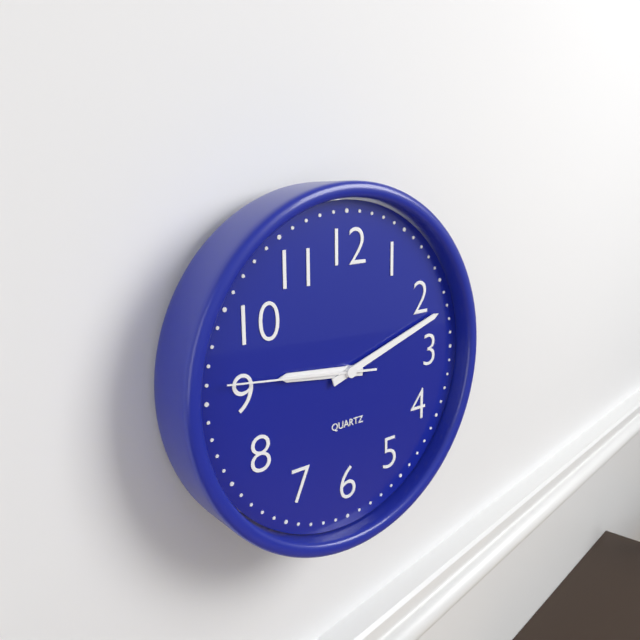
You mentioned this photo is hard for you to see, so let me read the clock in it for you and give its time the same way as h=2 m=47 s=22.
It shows h=9 m=12 s=46
